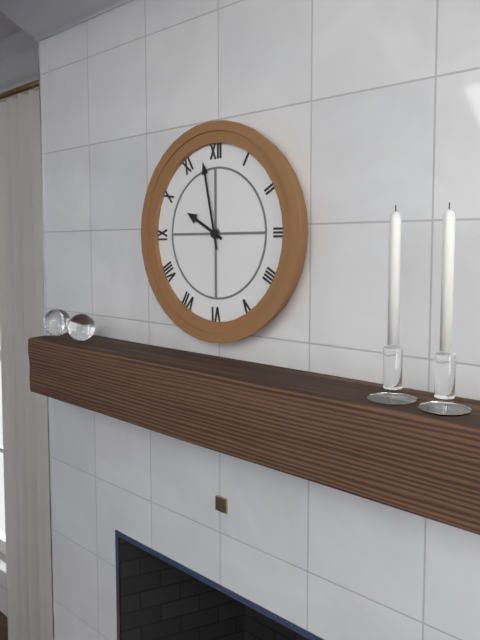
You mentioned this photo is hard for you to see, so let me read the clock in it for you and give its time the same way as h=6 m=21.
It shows h=9 m=58
